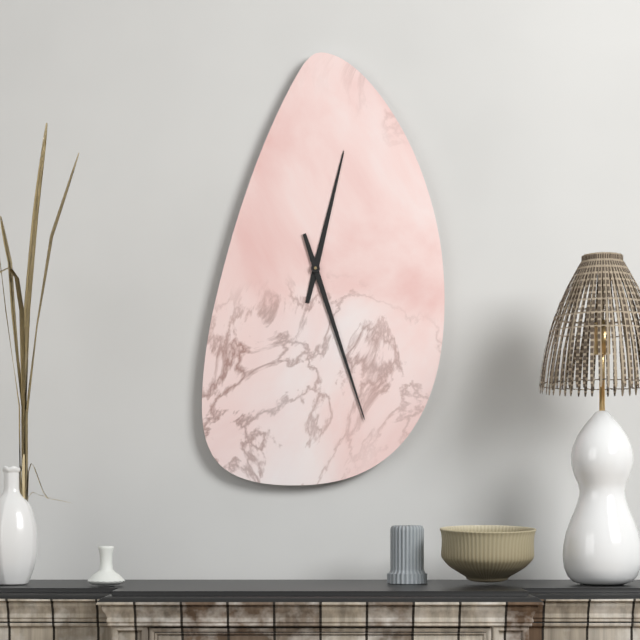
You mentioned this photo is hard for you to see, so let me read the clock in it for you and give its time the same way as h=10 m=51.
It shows h=12 m=27
